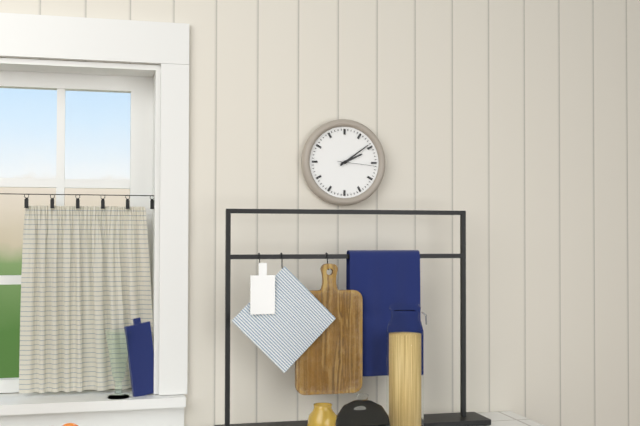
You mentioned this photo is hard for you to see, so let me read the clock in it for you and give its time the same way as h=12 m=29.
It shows h=2 m=9
